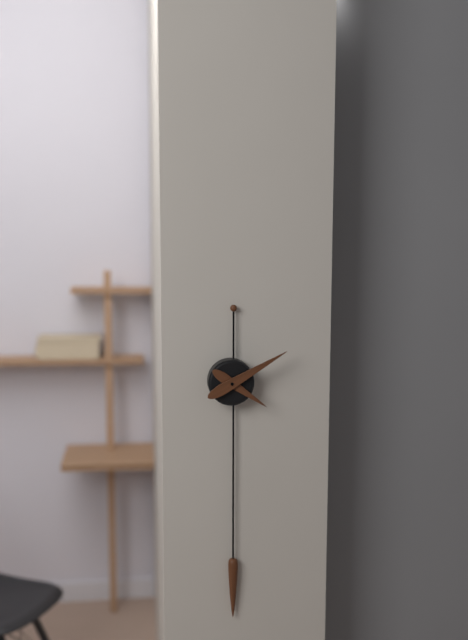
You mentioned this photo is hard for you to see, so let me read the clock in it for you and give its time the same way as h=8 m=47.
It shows h=4 m=10
